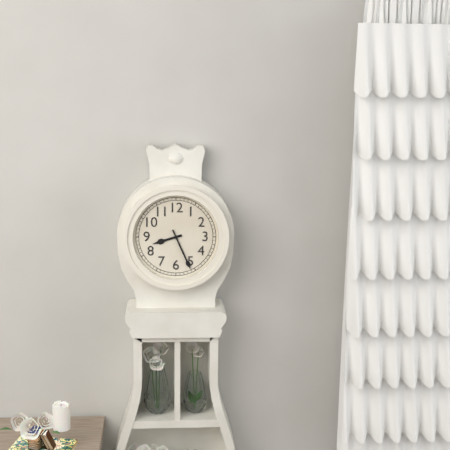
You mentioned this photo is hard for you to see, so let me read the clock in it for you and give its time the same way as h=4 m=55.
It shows h=8 m=26
